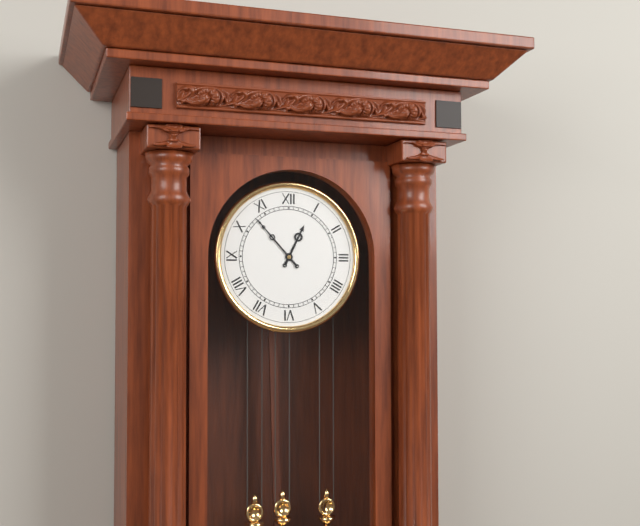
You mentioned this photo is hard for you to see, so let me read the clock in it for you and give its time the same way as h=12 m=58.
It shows h=12 m=53
